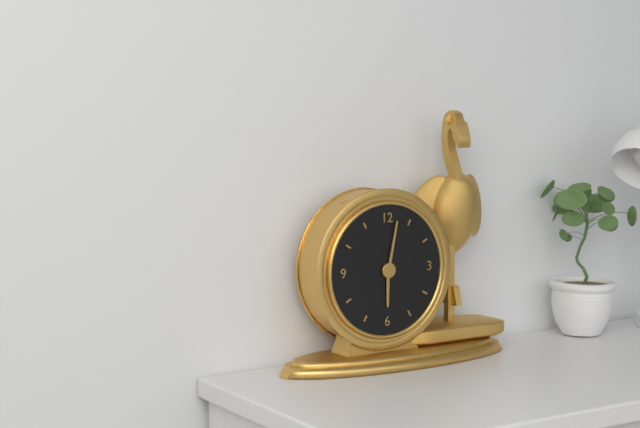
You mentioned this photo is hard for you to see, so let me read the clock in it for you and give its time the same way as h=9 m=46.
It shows h=6 m=2
